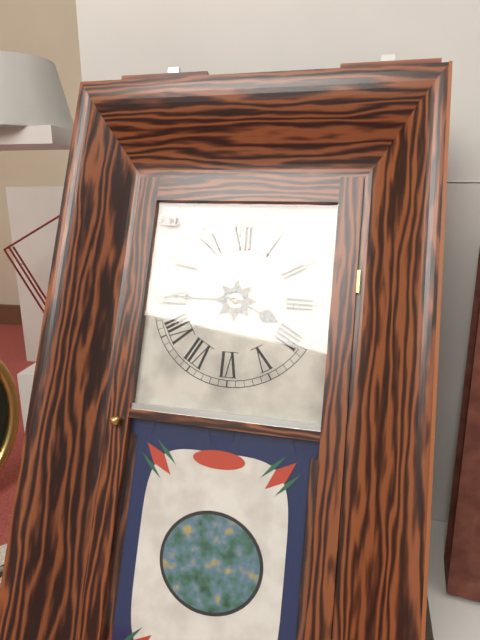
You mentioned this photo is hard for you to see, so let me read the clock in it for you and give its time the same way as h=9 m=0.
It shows h=3 m=45
